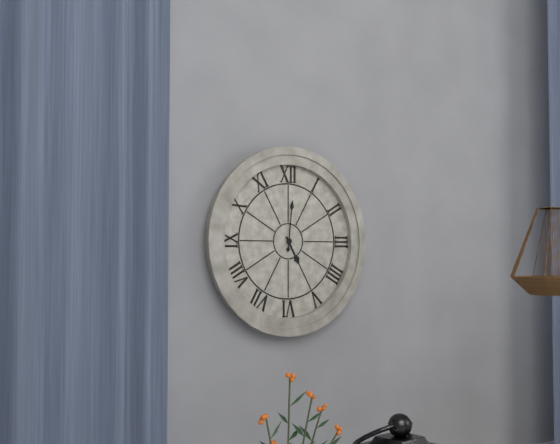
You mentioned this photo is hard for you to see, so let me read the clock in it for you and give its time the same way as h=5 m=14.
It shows h=5 m=1
